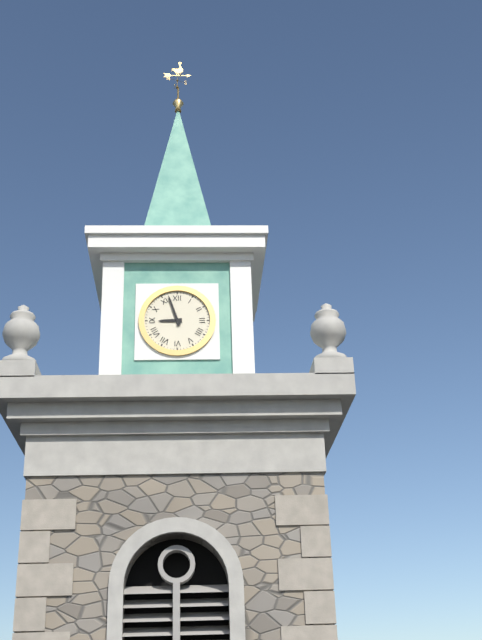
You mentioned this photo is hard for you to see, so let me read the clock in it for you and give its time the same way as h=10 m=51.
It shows h=8 m=57
